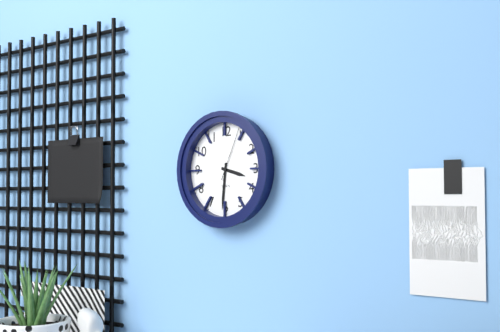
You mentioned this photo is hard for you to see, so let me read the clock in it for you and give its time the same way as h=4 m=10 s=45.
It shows h=3 m=31 s=4
